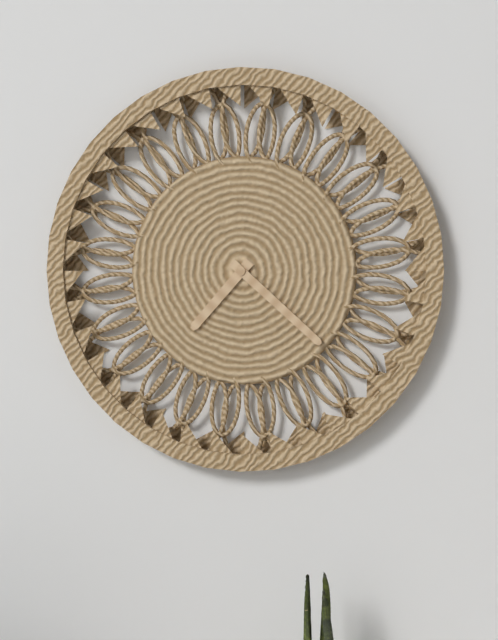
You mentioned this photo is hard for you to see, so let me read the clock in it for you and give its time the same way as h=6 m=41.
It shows h=7 m=22
